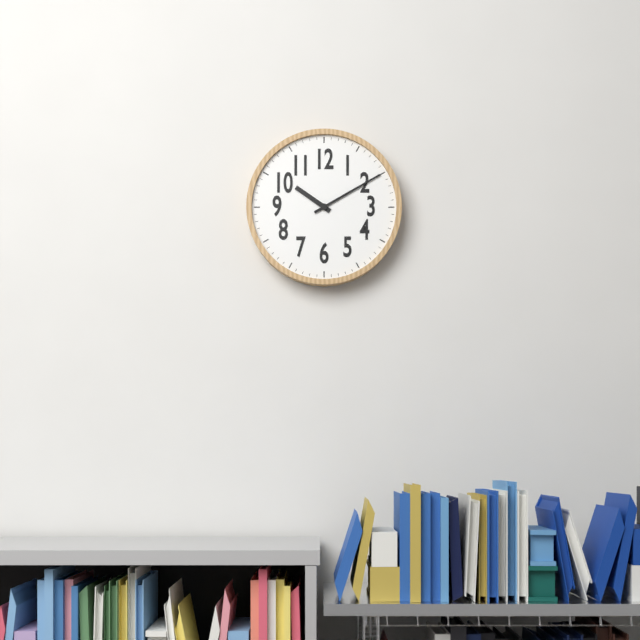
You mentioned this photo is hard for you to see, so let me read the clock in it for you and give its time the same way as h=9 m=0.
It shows h=10 m=10
